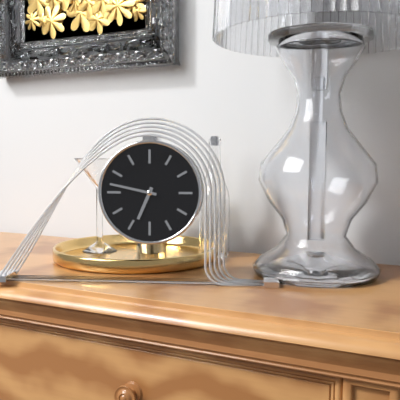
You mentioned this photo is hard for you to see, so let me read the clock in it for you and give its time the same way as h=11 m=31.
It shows h=6 m=47
